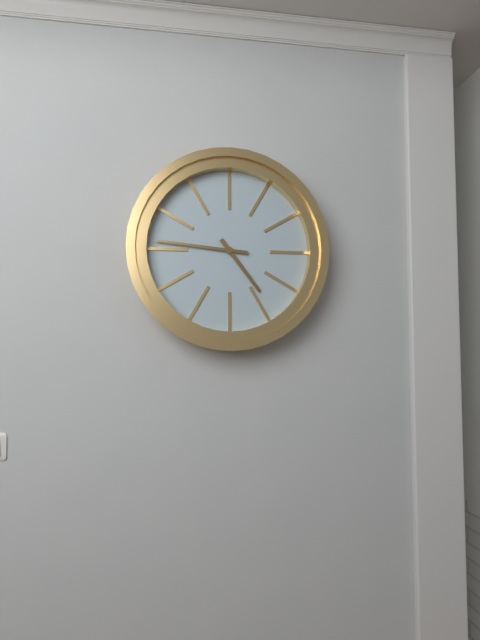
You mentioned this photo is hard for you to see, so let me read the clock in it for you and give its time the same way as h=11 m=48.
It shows h=4 m=46
